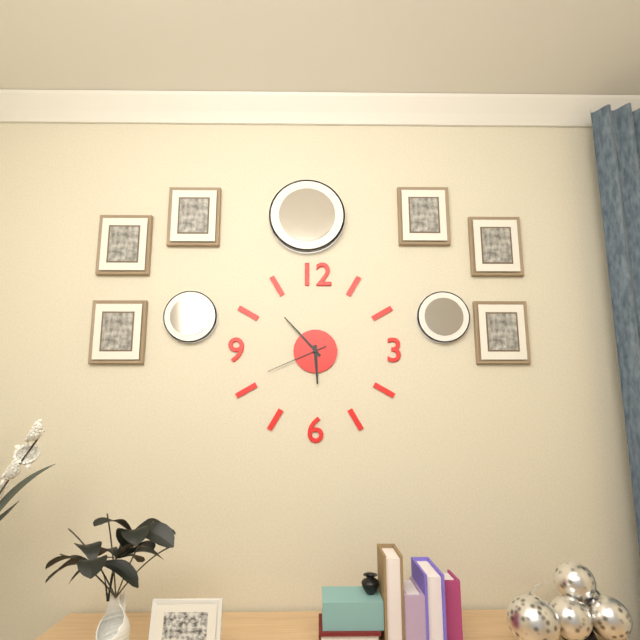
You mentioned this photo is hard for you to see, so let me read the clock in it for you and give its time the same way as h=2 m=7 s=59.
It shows h=5 m=53 s=41
